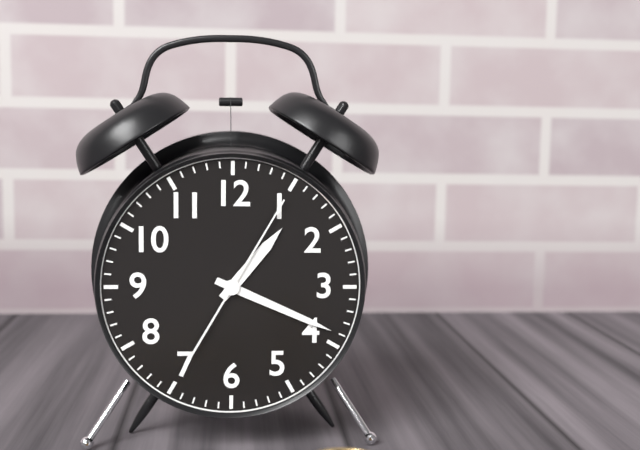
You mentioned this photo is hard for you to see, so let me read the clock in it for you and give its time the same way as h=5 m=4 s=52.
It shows h=1 m=19 s=5
